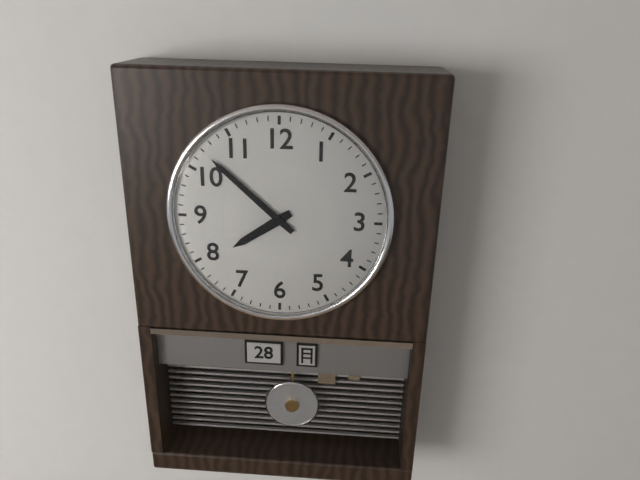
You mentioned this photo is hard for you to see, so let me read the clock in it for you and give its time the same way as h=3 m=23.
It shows h=7 m=52
